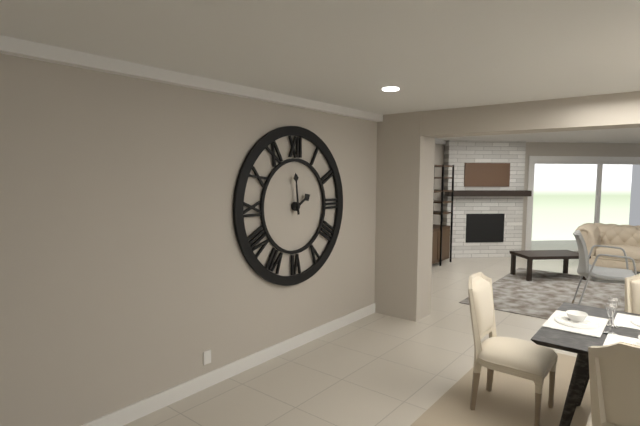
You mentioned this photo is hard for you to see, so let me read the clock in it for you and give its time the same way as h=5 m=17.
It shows h=1 m=59
